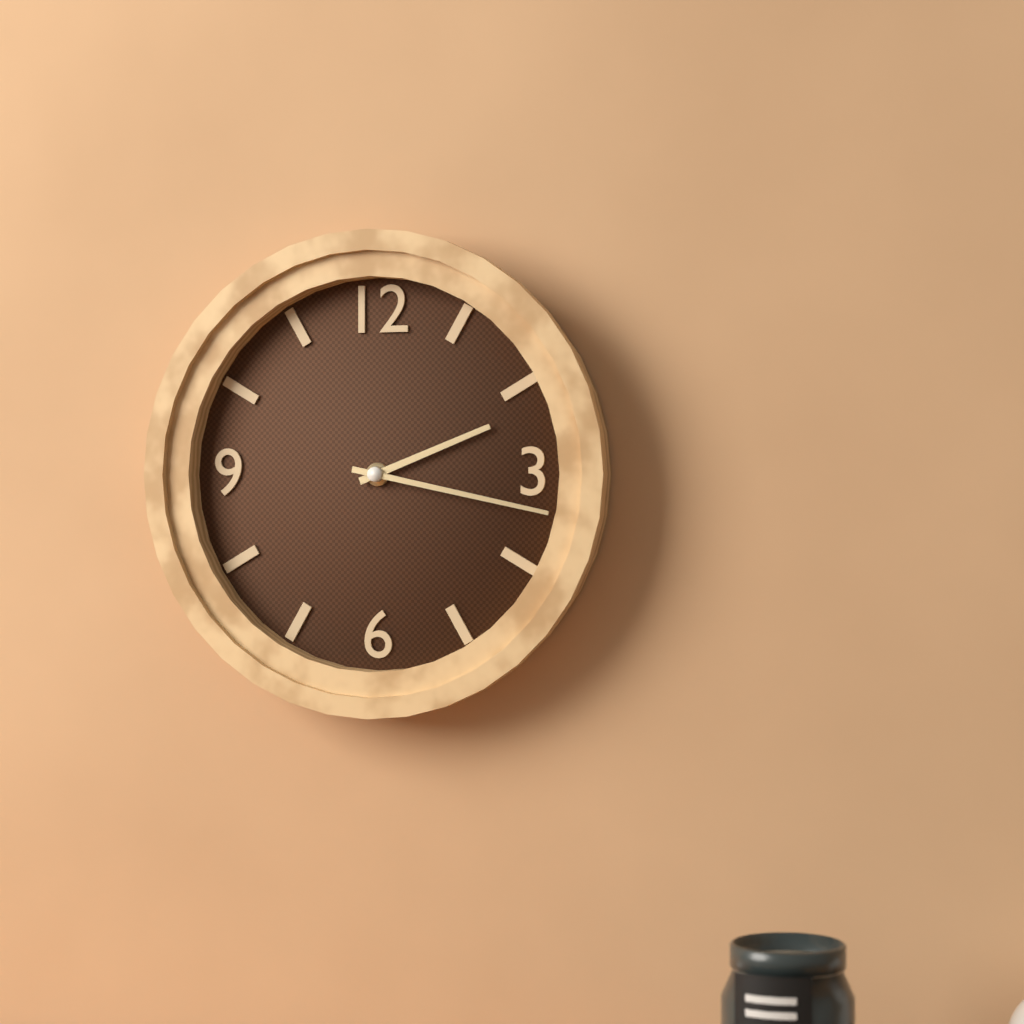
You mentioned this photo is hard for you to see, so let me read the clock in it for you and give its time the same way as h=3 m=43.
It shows h=2 m=17
